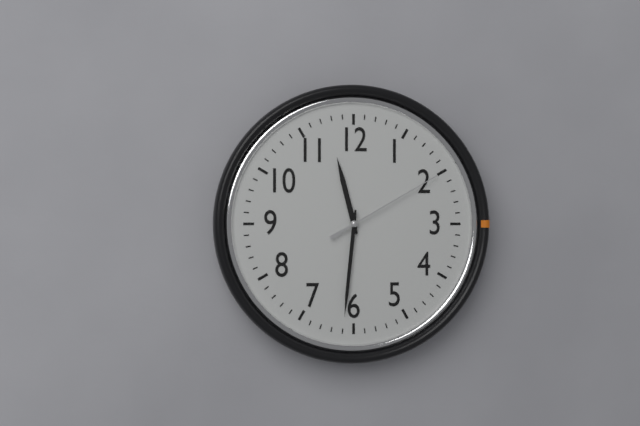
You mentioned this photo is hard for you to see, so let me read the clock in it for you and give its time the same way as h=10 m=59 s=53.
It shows h=11 m=31 s=10
